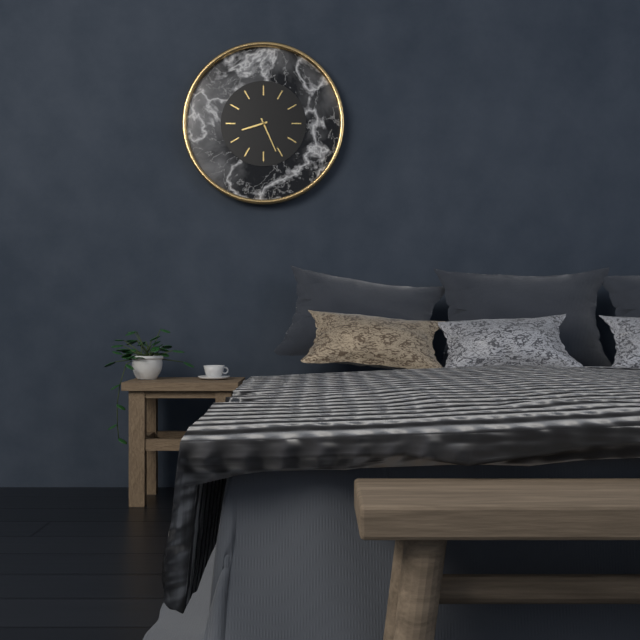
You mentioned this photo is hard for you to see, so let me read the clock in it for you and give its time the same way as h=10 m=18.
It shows h=8 m=26
